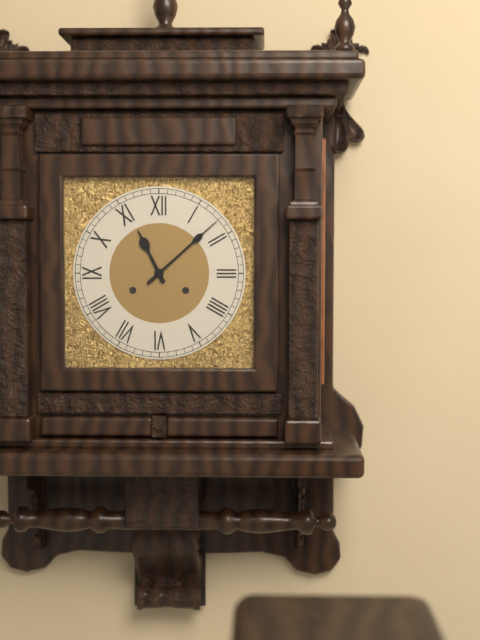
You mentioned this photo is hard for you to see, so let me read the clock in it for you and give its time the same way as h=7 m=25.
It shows h=11 m=8
